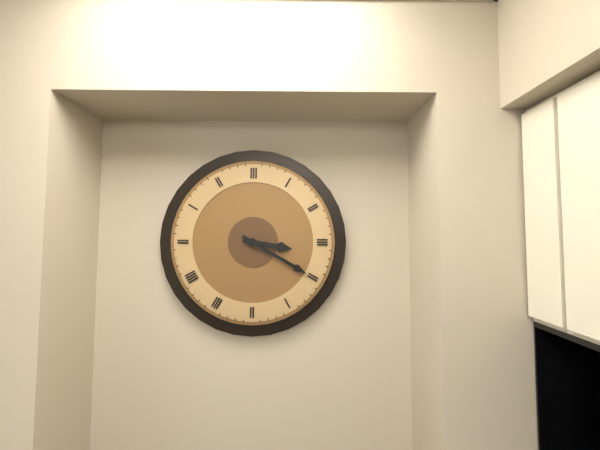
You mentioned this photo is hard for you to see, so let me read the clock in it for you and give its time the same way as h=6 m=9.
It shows h=3 m=20
